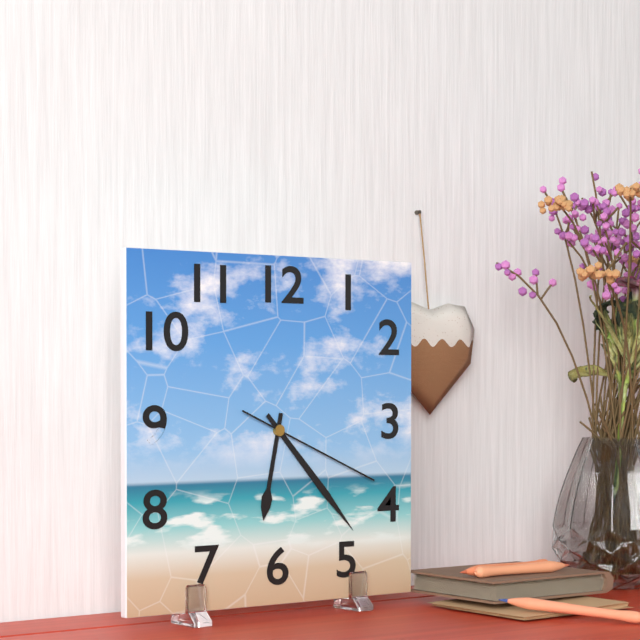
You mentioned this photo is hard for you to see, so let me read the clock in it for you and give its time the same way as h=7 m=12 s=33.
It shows h=6 m=23 s=19
